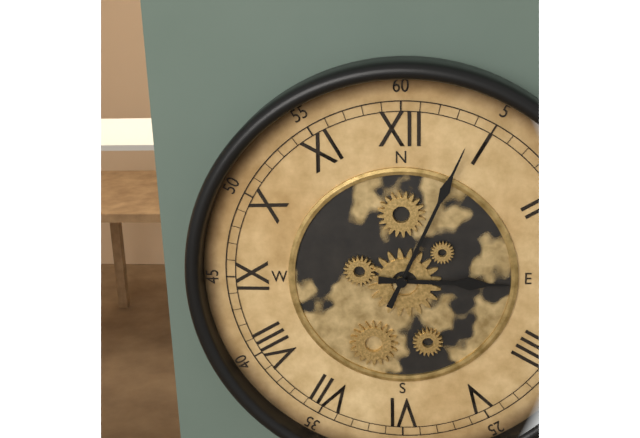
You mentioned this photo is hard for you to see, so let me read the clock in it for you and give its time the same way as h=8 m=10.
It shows h=3 m=4
